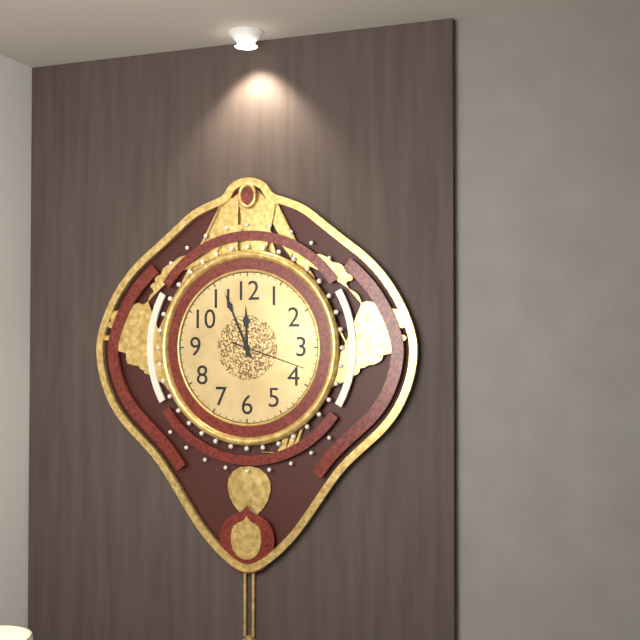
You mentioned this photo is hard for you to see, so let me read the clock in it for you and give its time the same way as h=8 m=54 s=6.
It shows h=11 m=56 s=18
